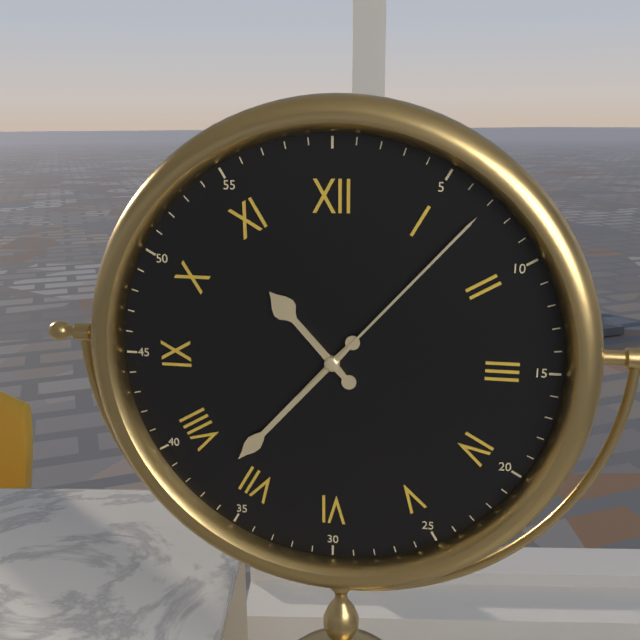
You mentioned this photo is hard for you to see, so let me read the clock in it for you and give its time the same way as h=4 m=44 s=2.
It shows h=10 m=37 s=7
